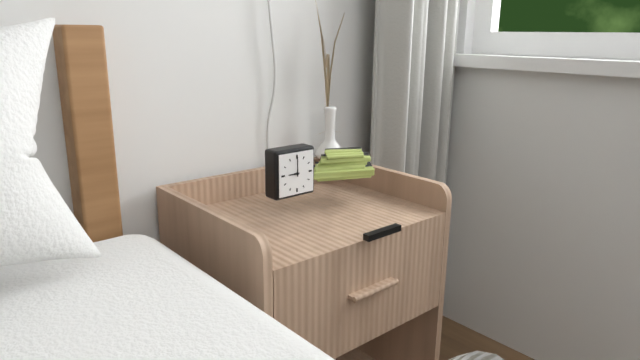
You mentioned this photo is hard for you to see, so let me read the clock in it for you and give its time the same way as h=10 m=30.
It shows h=9 m=0
